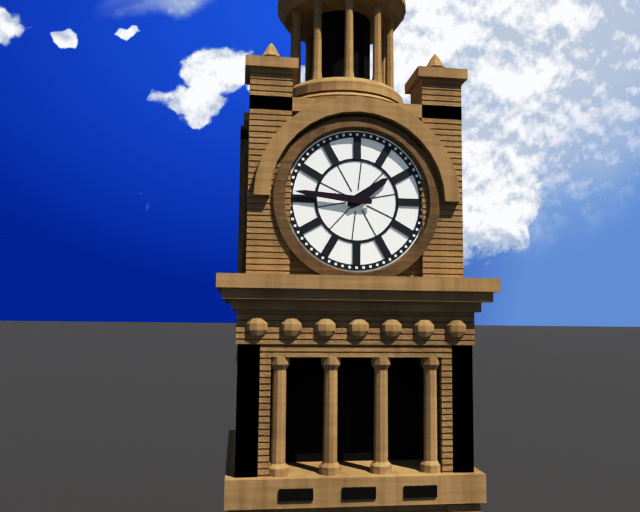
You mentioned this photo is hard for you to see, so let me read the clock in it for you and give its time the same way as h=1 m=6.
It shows h=1 m=46
